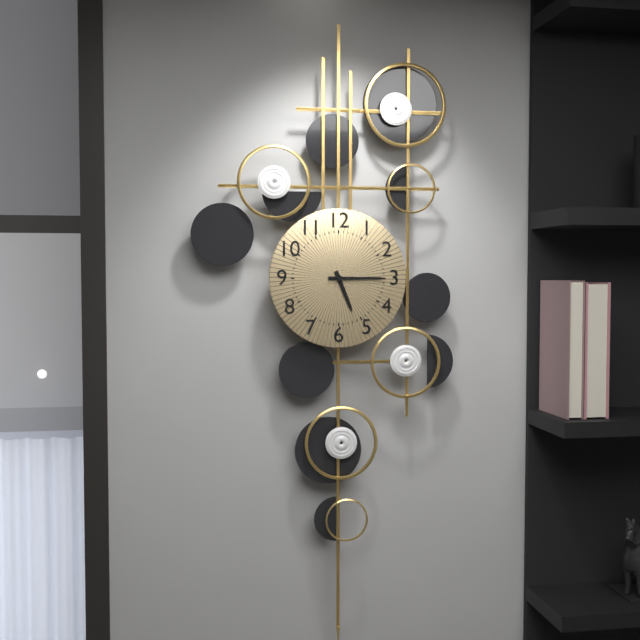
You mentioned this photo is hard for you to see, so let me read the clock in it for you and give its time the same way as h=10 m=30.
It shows h=5 m=15
